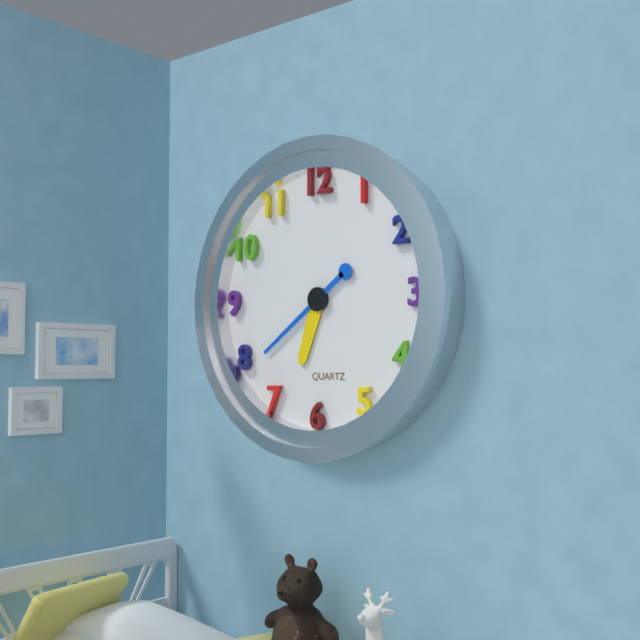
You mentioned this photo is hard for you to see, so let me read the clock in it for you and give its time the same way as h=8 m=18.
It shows h=6 m=39
